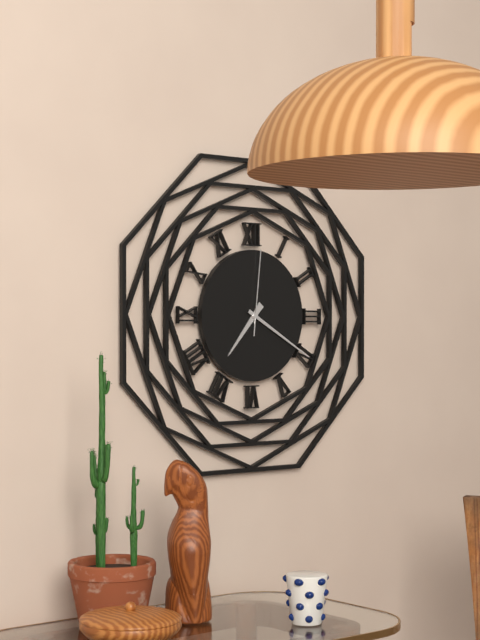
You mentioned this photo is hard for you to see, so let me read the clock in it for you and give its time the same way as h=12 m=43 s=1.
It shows h=7 m=20 s=1
